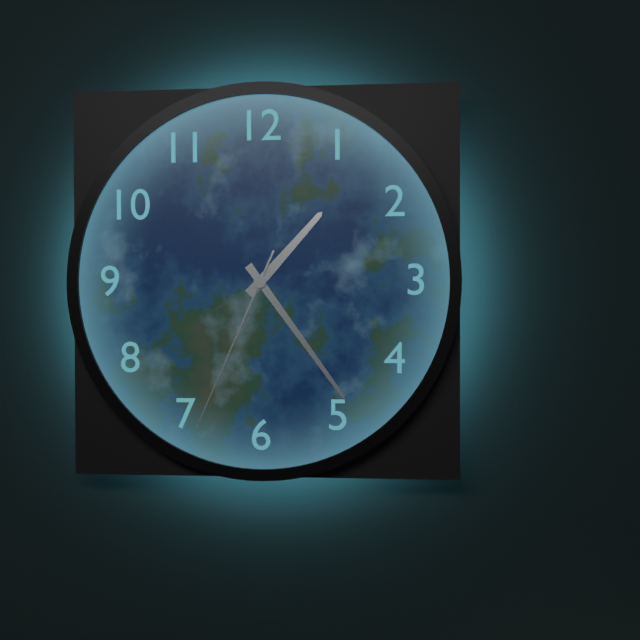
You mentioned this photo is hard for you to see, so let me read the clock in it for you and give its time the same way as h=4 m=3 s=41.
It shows h=1 m=24 s=34
